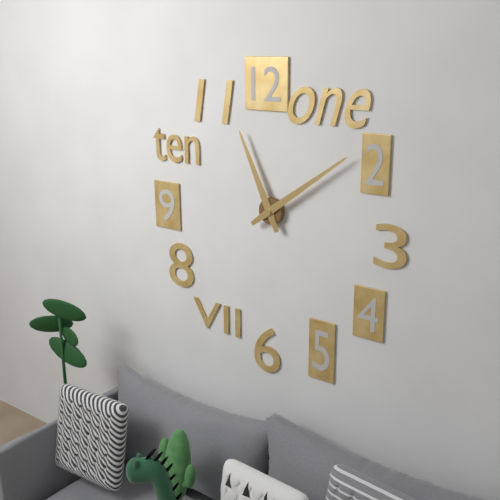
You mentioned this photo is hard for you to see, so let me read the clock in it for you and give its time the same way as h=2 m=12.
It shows h=11 m=9
